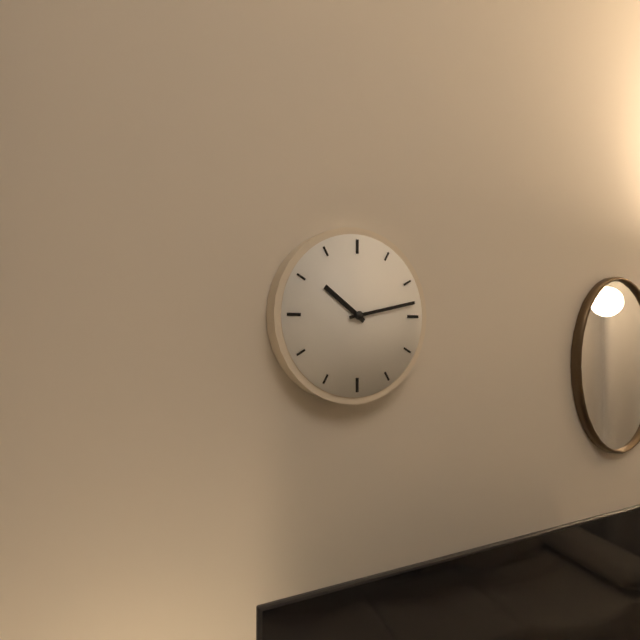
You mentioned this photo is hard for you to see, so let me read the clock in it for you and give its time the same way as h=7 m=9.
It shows h=10 m=13
